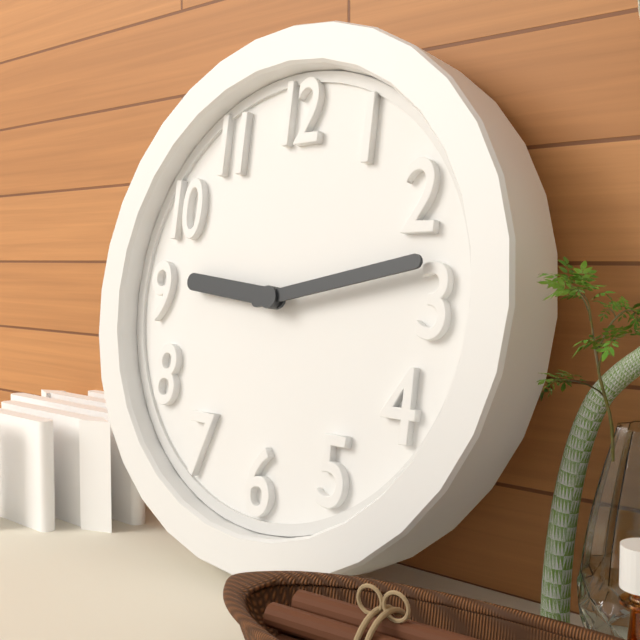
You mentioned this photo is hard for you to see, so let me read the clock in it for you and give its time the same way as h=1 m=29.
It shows h=9 m=13
